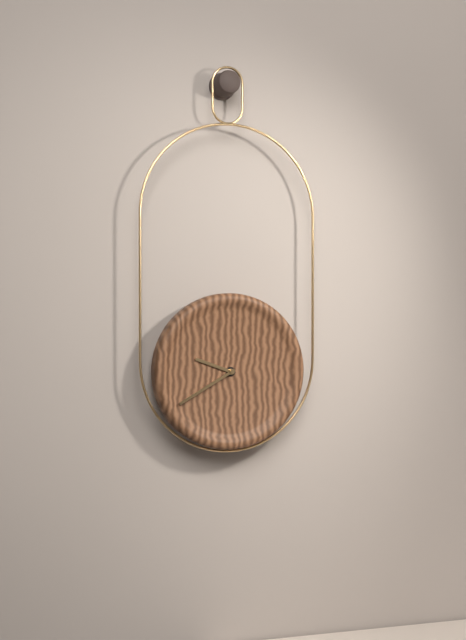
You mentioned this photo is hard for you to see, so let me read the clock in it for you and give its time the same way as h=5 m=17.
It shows h=9 m=40
